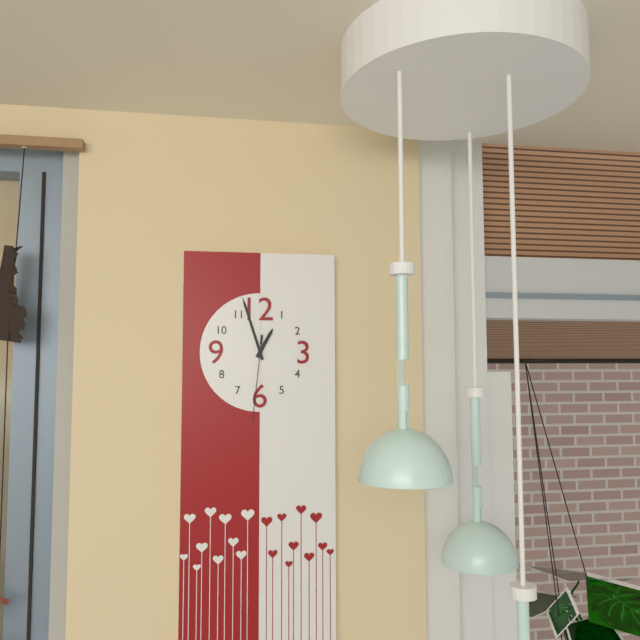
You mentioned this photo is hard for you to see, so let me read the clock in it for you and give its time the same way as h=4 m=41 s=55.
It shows h=12 m=57 s=31
